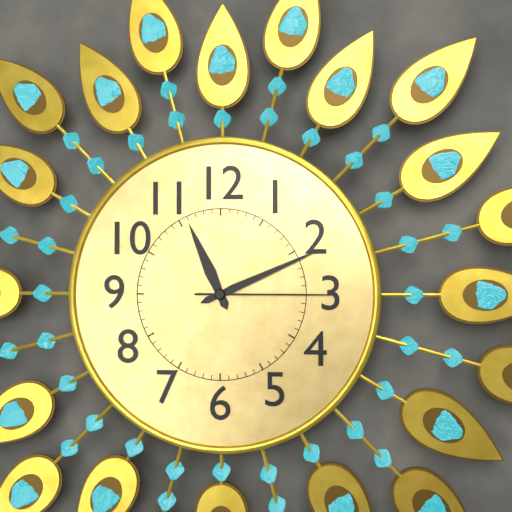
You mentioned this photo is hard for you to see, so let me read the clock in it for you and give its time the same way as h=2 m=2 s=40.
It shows h=11 m=11 s=15
